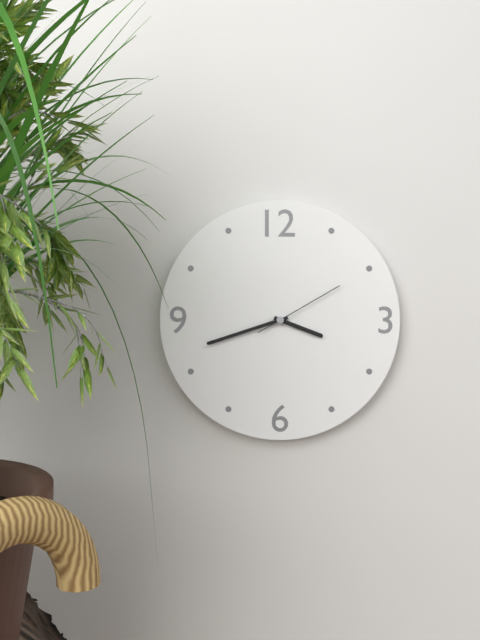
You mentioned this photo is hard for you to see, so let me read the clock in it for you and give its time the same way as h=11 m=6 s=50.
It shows h=3 m=42 s=10
